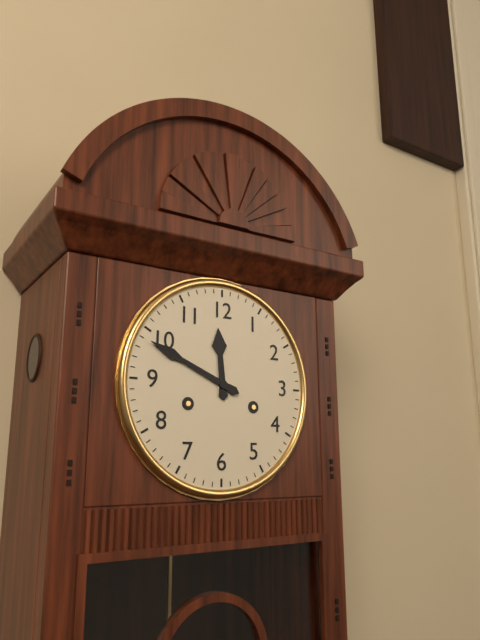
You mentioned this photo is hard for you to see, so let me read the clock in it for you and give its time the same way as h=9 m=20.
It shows h=11 m=49
